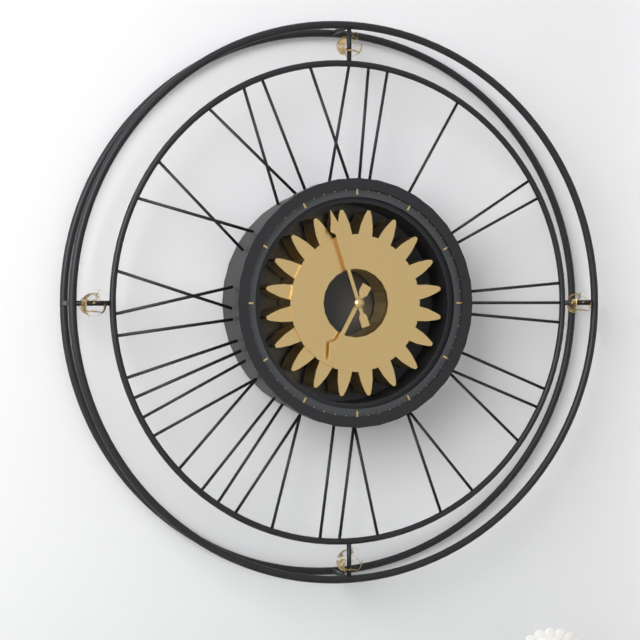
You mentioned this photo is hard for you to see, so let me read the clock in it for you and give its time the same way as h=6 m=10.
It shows h=6 m=57
